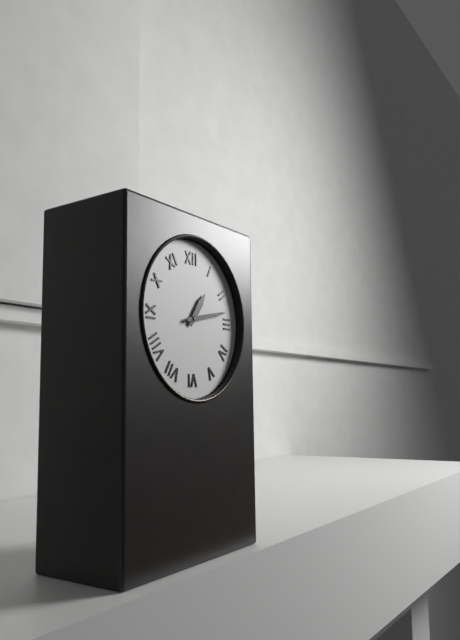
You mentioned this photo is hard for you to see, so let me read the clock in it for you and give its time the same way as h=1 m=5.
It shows h=1 m=13
